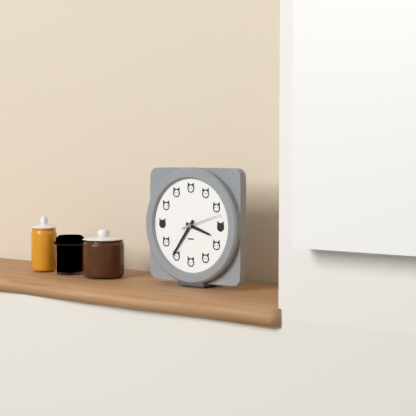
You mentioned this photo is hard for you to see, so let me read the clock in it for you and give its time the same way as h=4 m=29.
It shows h=3 m=36
